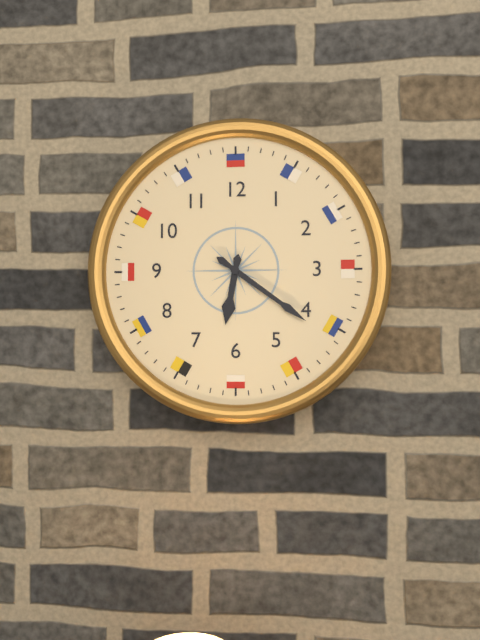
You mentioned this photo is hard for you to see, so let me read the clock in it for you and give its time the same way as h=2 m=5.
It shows h=6 m=21
